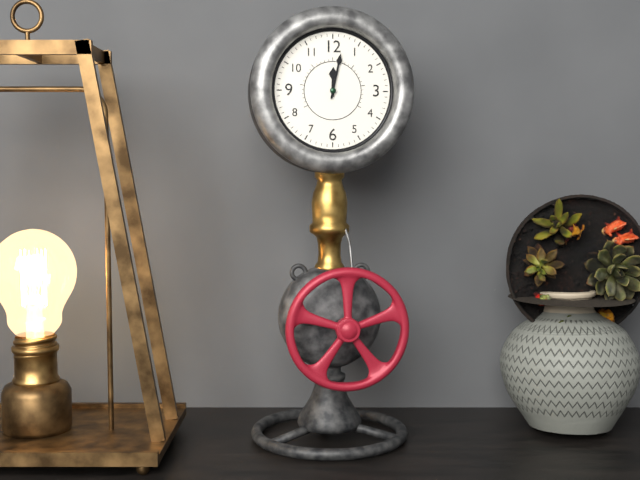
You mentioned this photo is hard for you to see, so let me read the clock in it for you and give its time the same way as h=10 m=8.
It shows h=12 m=2
